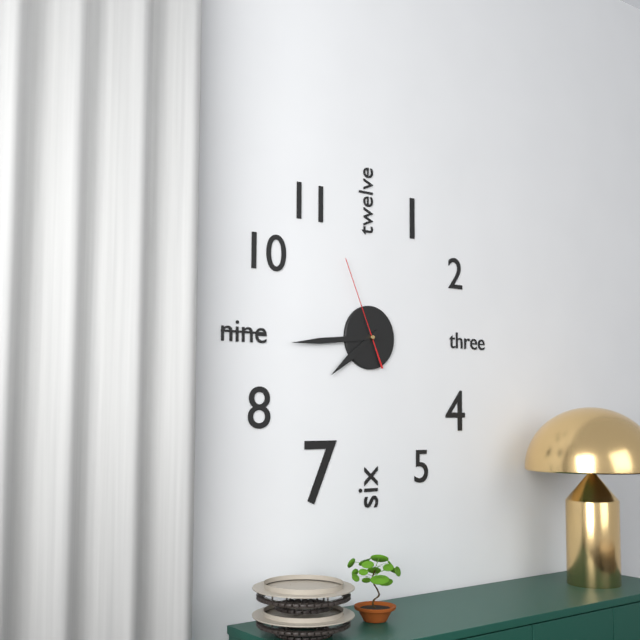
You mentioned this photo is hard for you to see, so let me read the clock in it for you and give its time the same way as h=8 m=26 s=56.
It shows h=7 m=44 s=56
